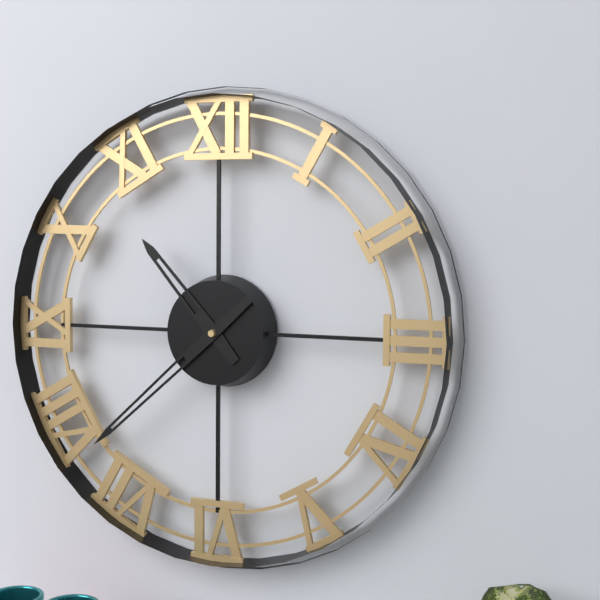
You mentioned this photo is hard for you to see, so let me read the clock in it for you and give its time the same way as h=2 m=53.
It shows h=10 m=38
